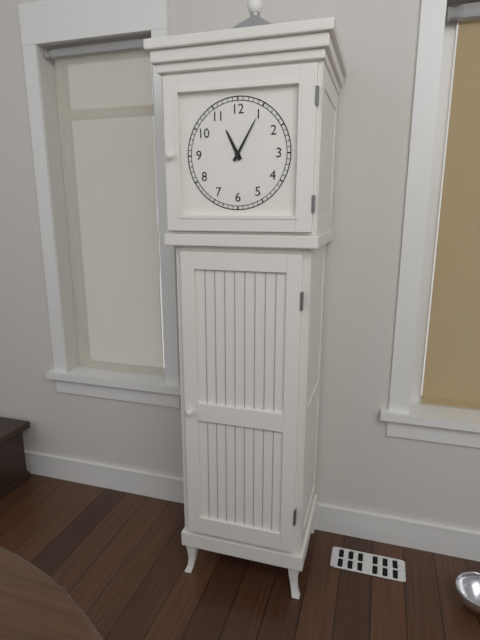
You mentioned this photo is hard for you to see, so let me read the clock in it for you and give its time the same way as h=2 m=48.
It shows h=11 m=5
